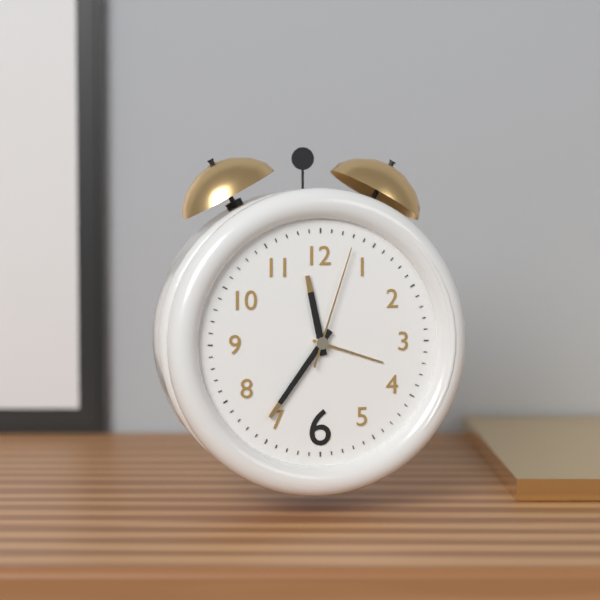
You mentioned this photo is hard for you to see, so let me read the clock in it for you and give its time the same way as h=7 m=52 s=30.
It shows h=11 m=36 s=3
